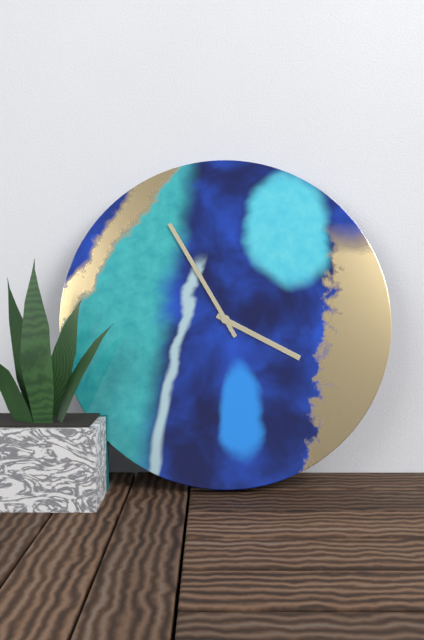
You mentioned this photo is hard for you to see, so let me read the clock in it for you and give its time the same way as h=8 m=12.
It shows h=3 m=55
